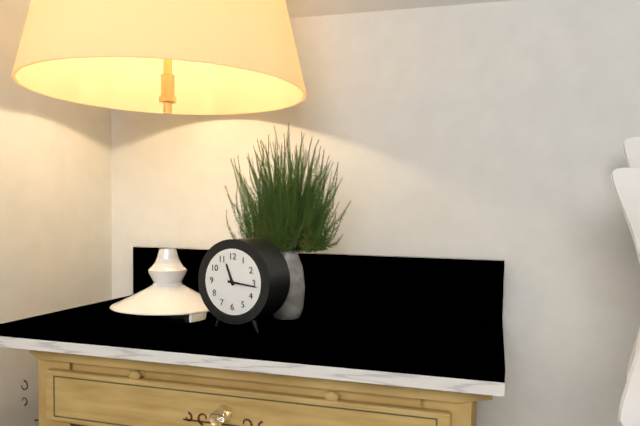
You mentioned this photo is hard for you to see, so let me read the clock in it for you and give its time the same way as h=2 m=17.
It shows h=11 m=16
